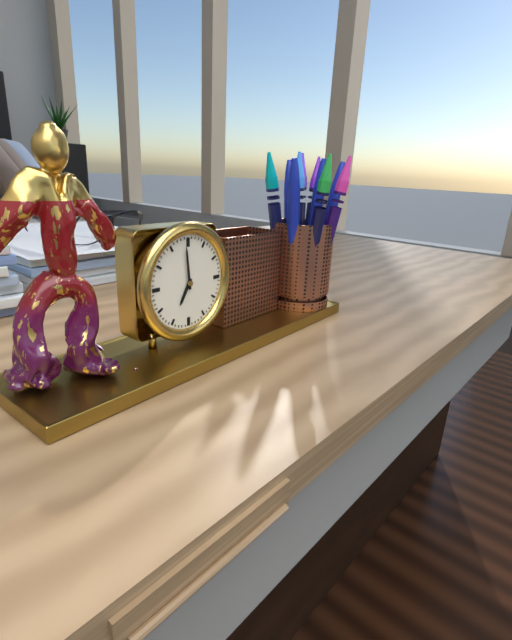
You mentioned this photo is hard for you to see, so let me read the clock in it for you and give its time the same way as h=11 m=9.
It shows h=6 m=59
